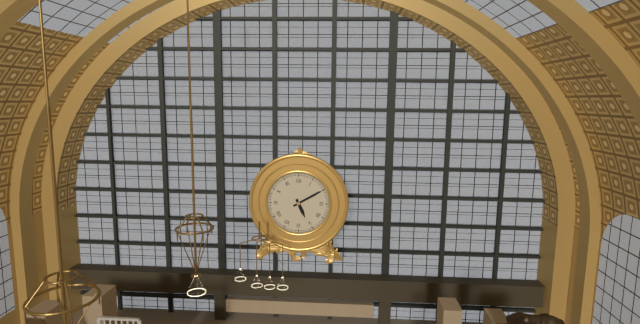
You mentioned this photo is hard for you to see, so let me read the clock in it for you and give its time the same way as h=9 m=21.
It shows h=5 m=10
